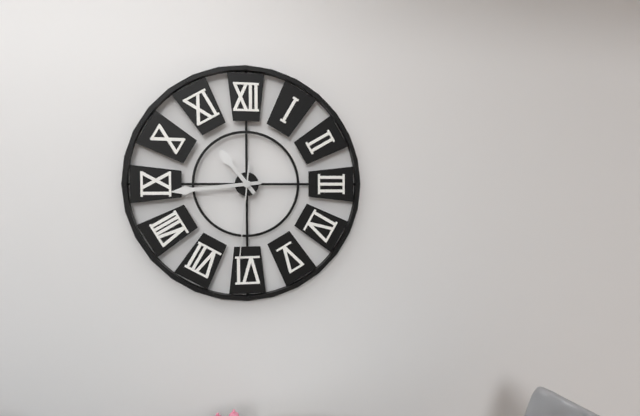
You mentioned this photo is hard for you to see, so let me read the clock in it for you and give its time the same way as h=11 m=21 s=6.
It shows h=10 m=44 s=31
